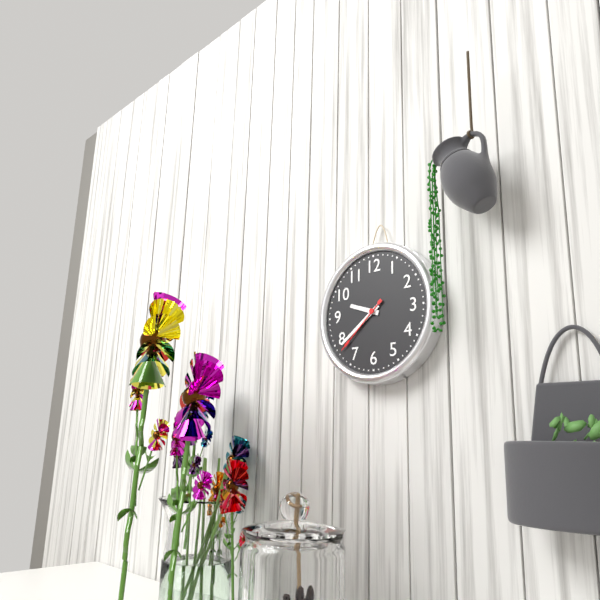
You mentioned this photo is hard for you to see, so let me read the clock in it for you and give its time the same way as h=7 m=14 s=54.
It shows h=9 m=39 s=38
